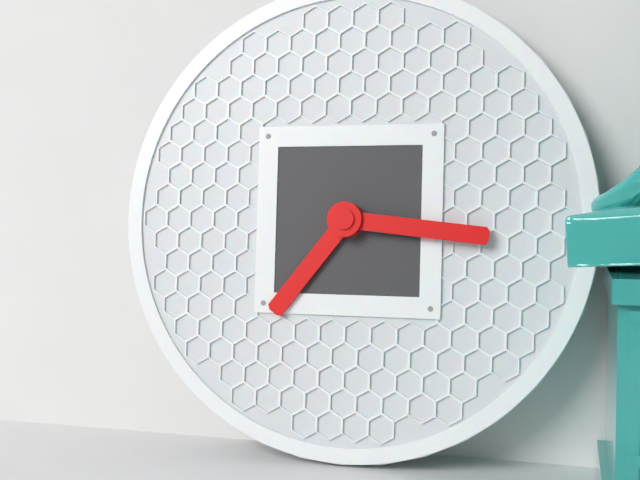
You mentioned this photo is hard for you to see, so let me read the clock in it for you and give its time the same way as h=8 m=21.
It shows h=7 m=16
